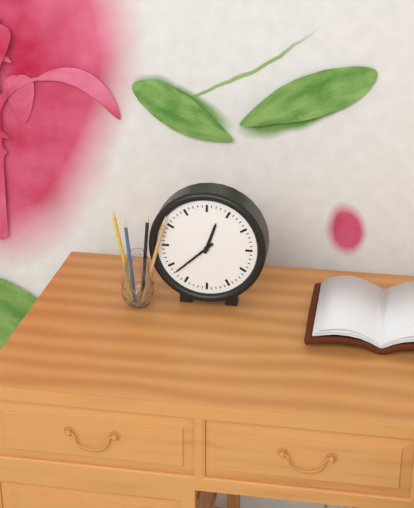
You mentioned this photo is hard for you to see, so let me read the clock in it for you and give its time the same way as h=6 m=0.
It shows h=12 m=38
